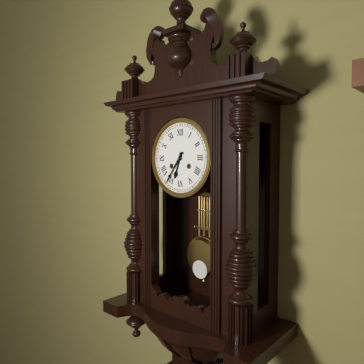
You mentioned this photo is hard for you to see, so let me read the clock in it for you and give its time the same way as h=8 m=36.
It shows h=6 m=36
